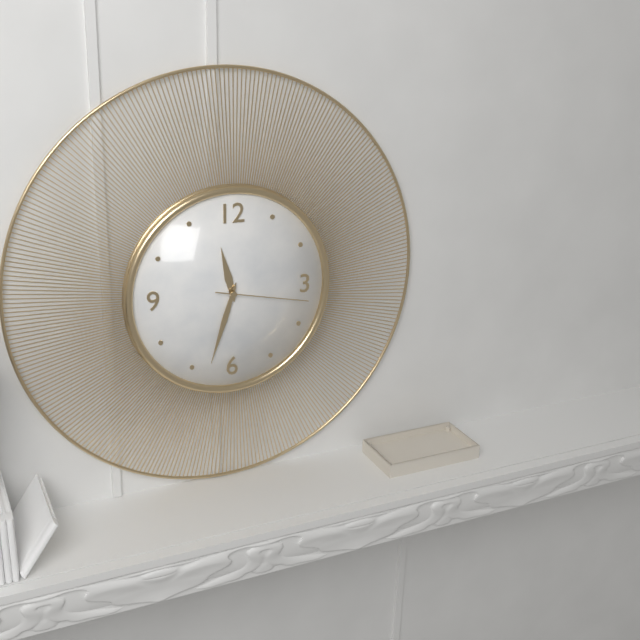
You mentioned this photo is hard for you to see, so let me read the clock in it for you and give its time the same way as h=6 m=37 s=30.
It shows h=11 m=33 s=17
